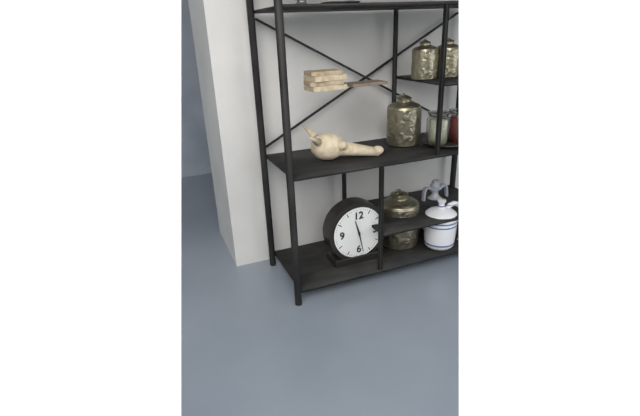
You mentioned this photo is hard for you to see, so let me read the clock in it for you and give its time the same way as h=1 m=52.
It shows h=11 m=28
